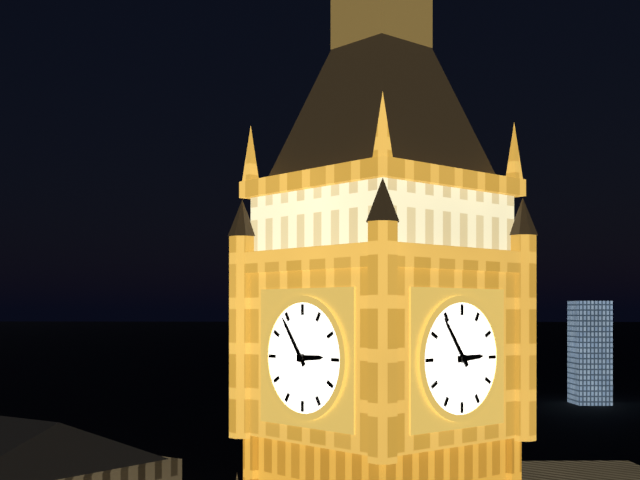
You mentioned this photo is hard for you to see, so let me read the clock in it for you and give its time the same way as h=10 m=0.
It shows h=2 m=54
